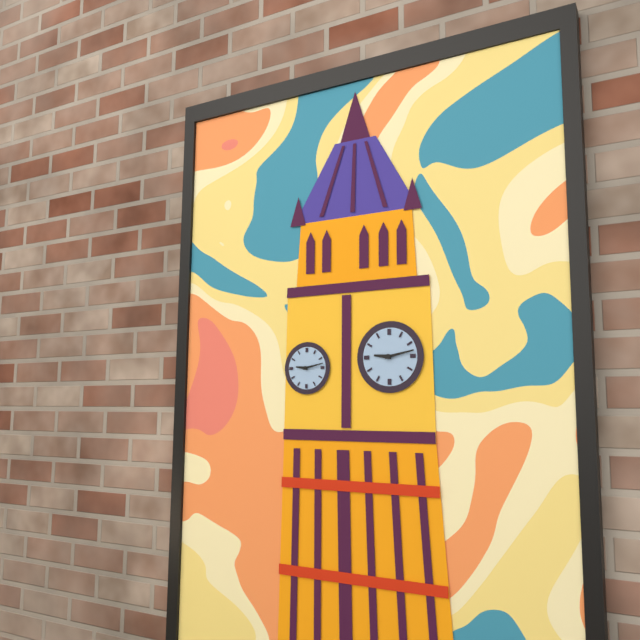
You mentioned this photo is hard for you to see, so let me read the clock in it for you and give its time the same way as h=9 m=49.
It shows h=9 m=13
